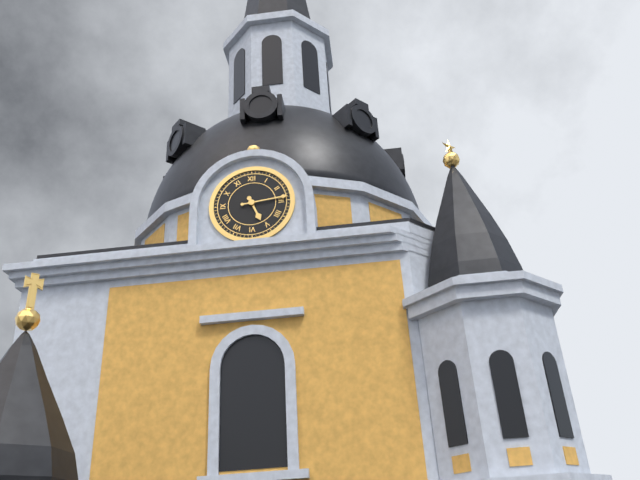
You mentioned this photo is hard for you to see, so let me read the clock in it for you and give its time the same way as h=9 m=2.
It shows h=5 m=14
